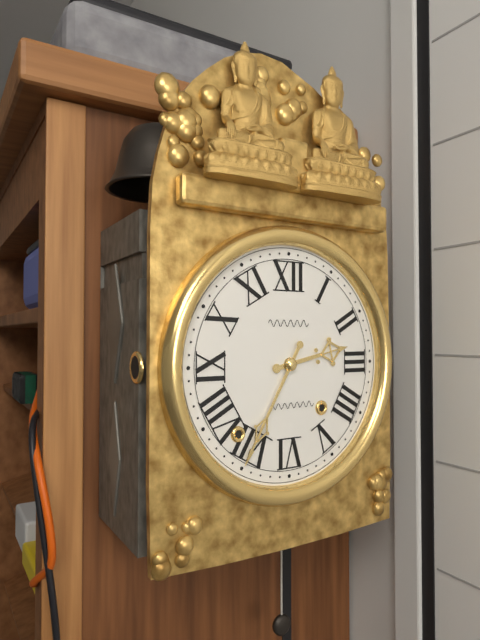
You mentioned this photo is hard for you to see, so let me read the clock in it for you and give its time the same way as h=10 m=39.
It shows h=2 m=35
